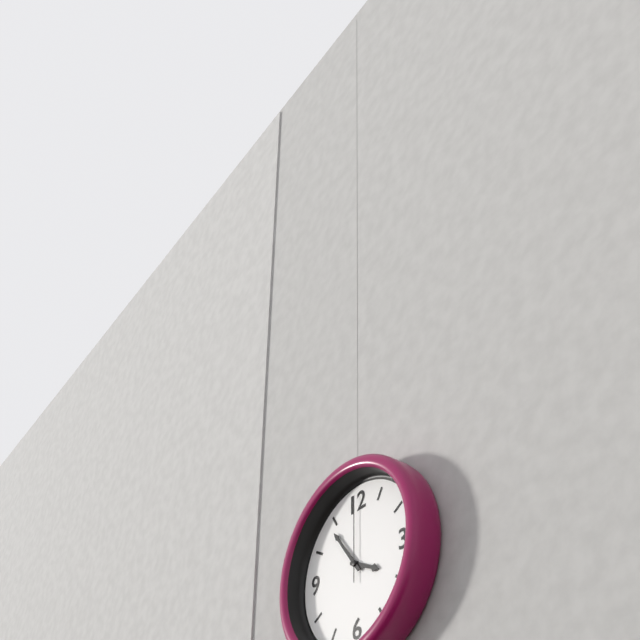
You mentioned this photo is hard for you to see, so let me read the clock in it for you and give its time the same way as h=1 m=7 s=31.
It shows h=3 m=54 s=0
